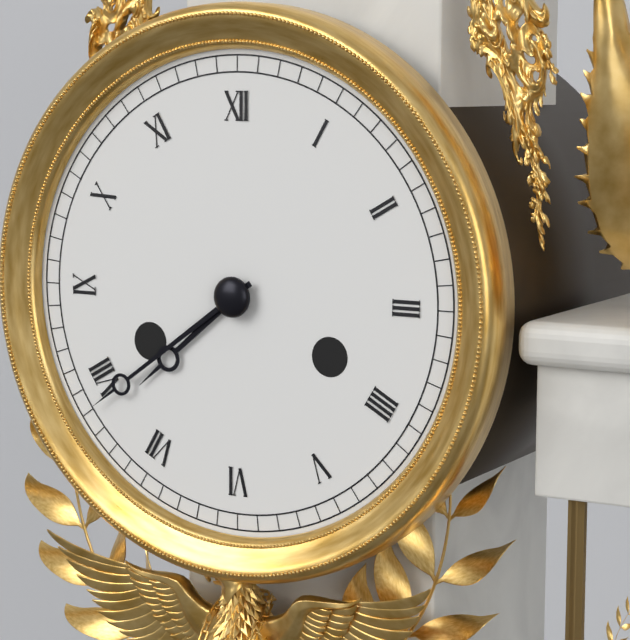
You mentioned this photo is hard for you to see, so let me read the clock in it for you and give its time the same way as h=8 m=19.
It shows h=7 m=39
